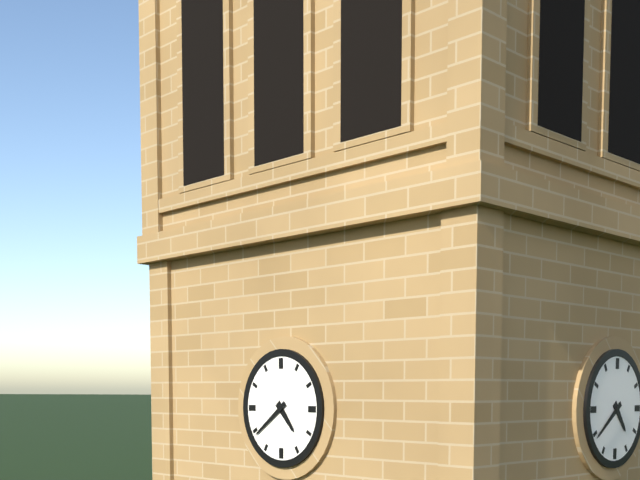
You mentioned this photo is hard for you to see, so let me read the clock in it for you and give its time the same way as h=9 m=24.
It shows h=4 m=39
